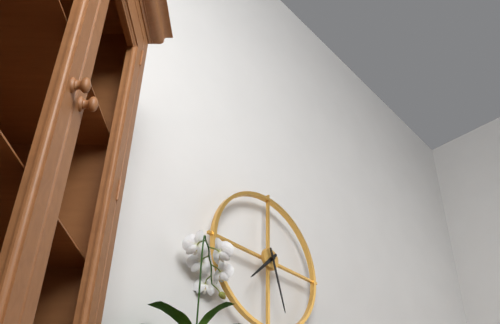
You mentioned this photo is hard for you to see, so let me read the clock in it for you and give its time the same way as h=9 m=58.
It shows h=7 m=27
